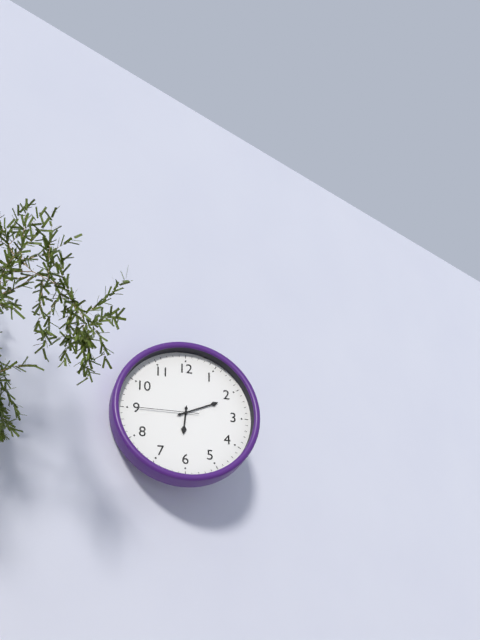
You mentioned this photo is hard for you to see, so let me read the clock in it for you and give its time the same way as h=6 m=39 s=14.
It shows h=6 m=11 s=45
